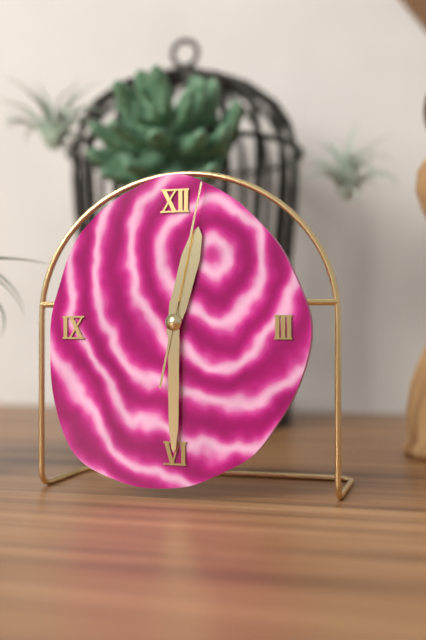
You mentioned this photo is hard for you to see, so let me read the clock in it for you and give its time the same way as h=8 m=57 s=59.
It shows h=12 m=30 s=2
